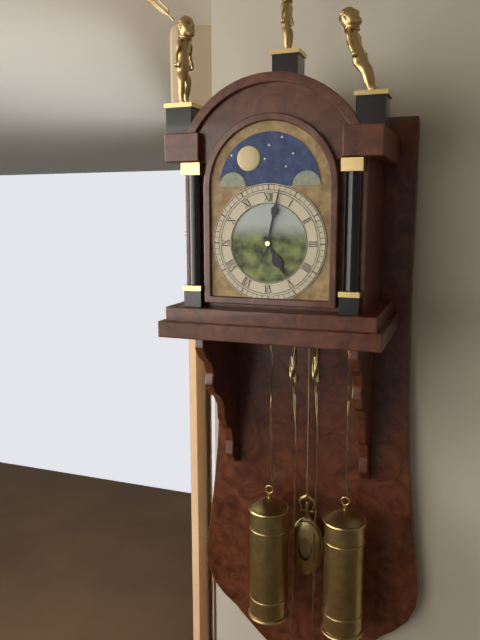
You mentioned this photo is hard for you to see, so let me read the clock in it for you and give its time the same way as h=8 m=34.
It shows h=5 m=2
